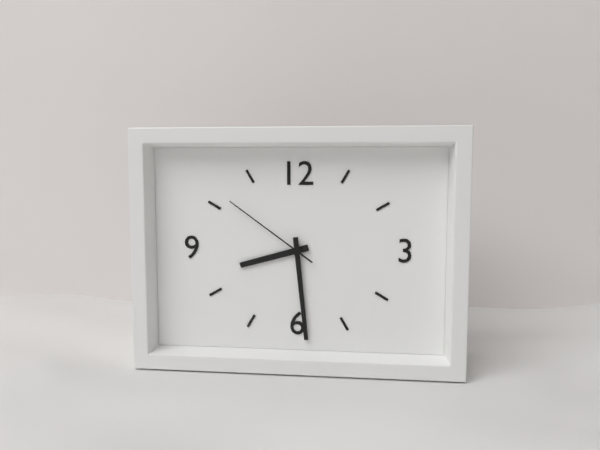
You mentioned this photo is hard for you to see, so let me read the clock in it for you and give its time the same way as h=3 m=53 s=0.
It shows h=8 m=29 s=51
